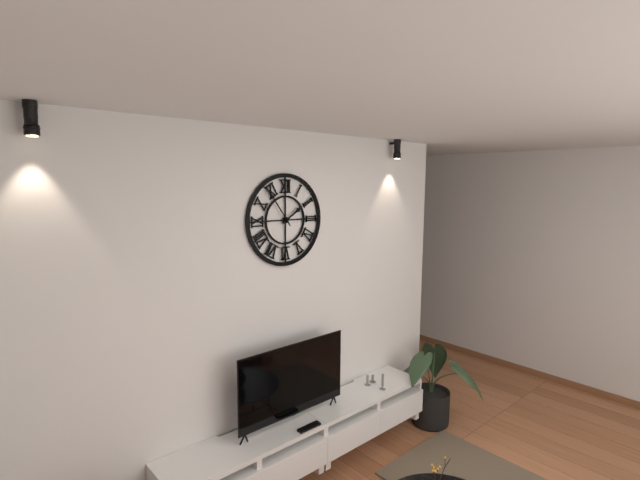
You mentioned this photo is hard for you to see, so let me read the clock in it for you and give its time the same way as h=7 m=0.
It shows h=1 m=54
